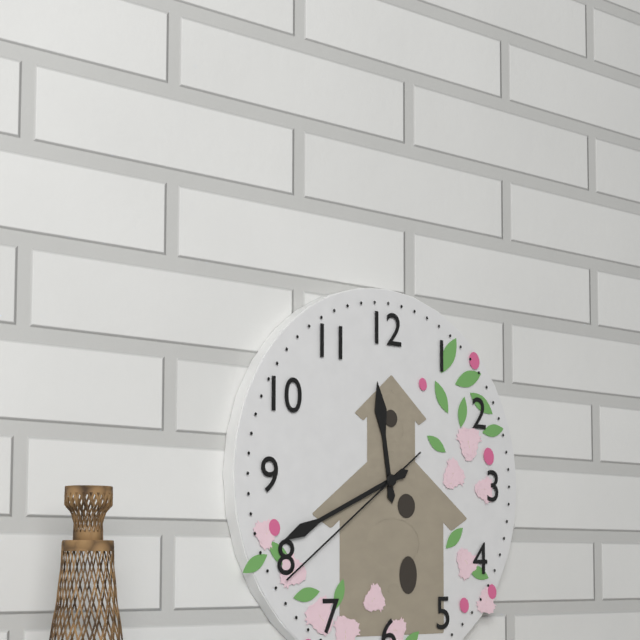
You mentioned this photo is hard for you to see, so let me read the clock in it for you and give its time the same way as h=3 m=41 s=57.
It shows h=11 m=41 s=39
